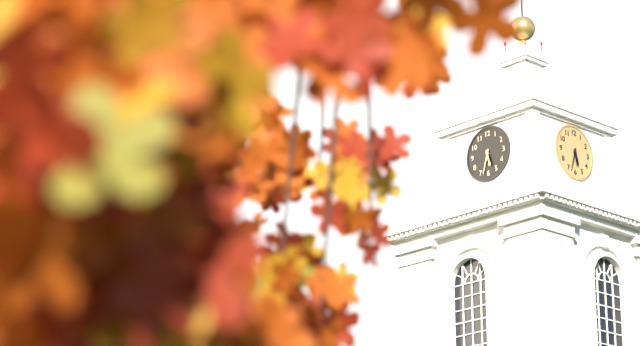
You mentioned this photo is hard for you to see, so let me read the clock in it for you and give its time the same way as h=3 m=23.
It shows h=5 m=33
